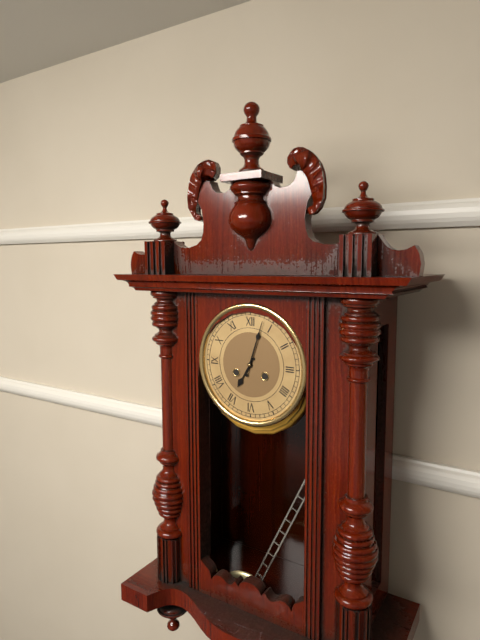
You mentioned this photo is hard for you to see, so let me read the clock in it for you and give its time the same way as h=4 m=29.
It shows h=7 m=3
